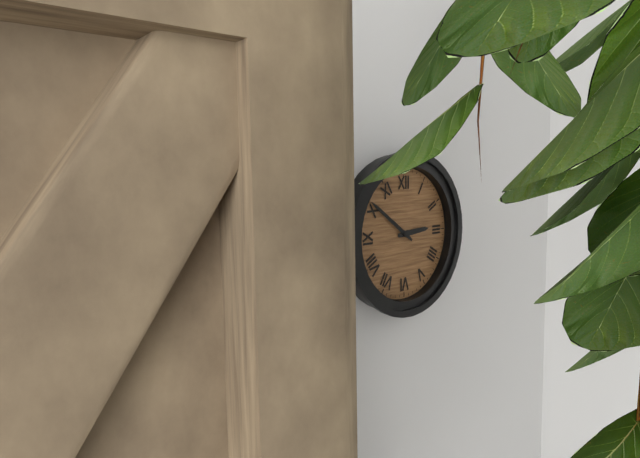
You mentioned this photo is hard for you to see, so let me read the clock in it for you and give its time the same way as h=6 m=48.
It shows h=2 m=51
